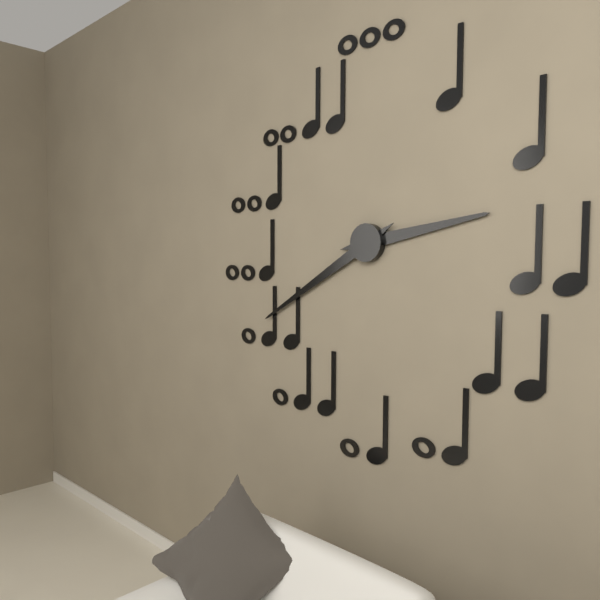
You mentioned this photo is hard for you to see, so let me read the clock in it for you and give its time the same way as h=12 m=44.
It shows h=2 m=40
